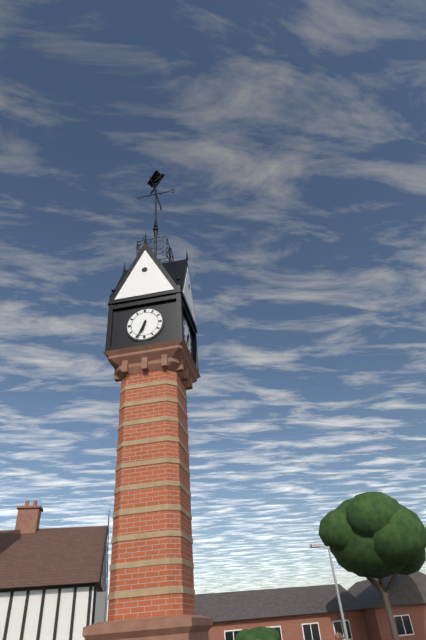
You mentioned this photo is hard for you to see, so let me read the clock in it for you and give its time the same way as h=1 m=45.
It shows h=6 m=34
